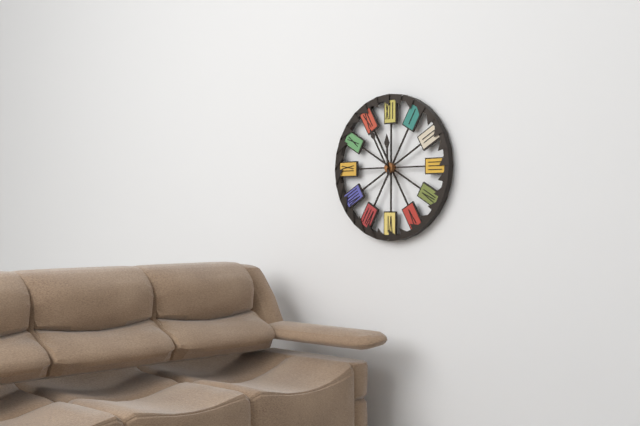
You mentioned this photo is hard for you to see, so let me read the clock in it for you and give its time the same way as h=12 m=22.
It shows h=11 m=55
